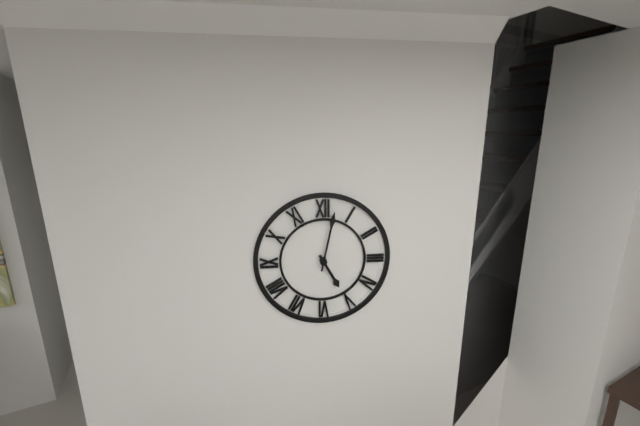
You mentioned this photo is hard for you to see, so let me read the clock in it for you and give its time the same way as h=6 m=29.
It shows h=5 m=2
